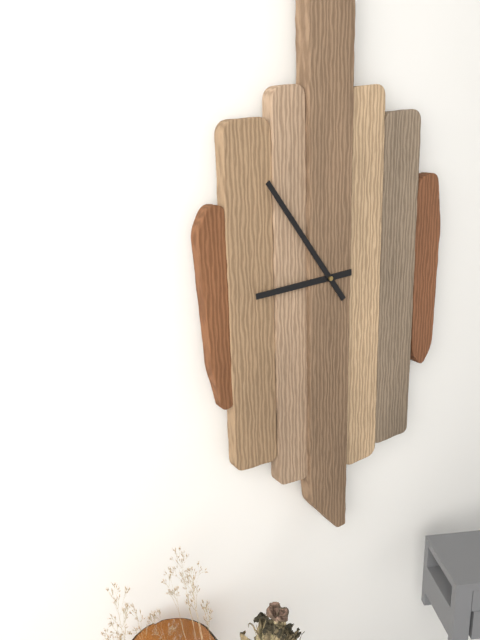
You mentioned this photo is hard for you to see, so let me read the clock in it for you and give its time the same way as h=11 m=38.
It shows h=8 m=54
